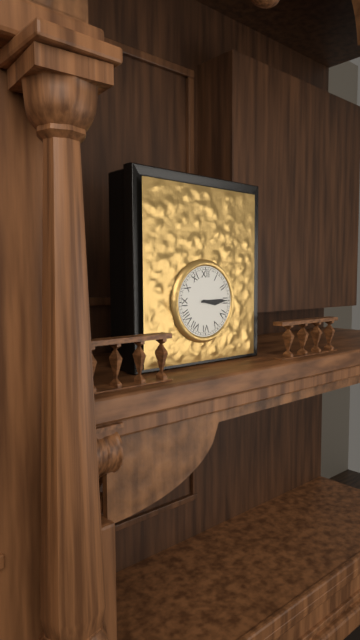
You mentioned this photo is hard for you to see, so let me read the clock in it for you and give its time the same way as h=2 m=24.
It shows h=3 m=15
